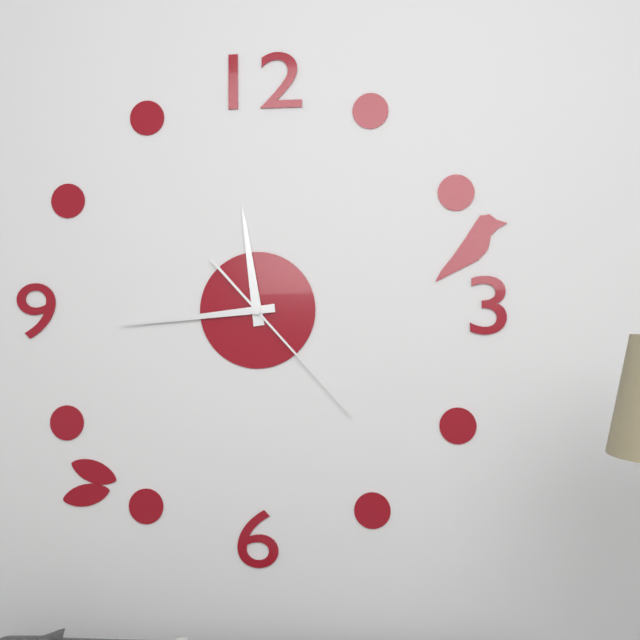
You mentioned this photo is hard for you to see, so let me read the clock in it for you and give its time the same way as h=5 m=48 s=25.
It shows h=11 m=44 s=23
